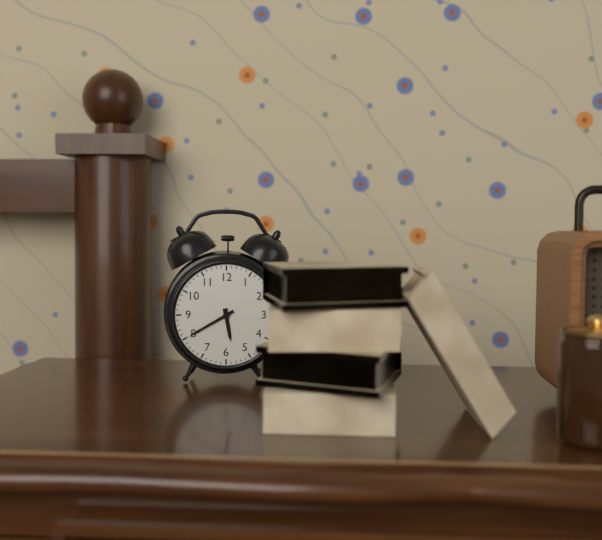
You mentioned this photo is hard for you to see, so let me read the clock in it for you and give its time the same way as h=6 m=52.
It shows h=5 m=40
